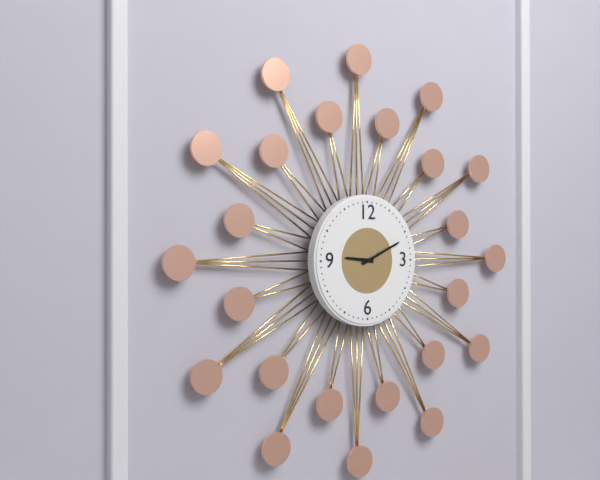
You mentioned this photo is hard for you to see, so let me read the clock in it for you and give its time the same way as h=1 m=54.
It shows h=9 m=11
